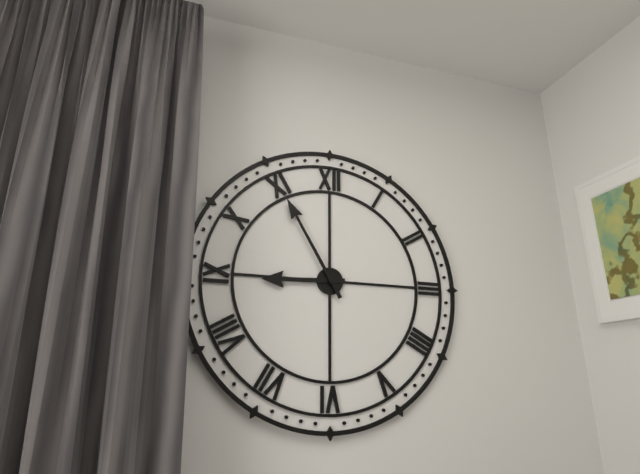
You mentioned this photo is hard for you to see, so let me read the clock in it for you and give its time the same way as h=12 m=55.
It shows h=8 m=55
